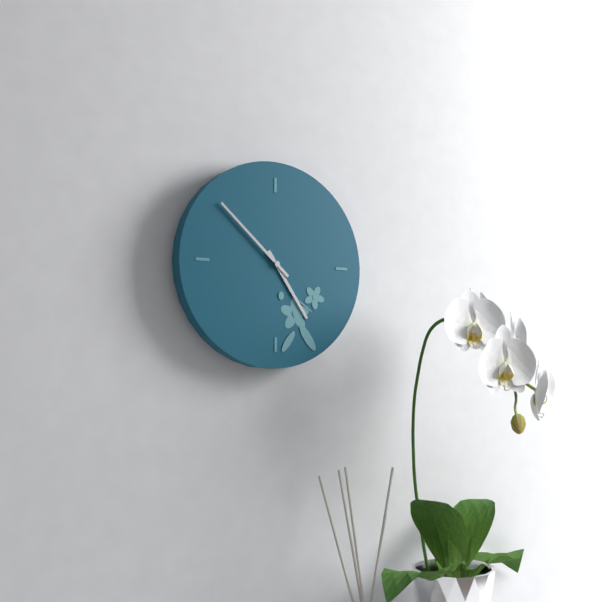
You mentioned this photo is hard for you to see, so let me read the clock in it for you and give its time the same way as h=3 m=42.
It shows h=4 m=52
